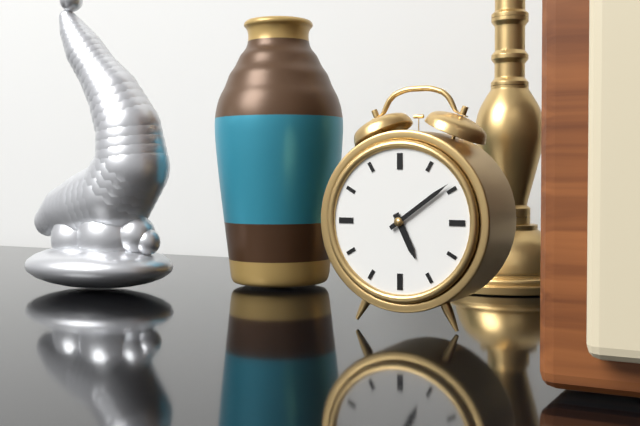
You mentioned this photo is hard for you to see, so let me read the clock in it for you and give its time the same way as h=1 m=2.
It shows h=5 m=9
